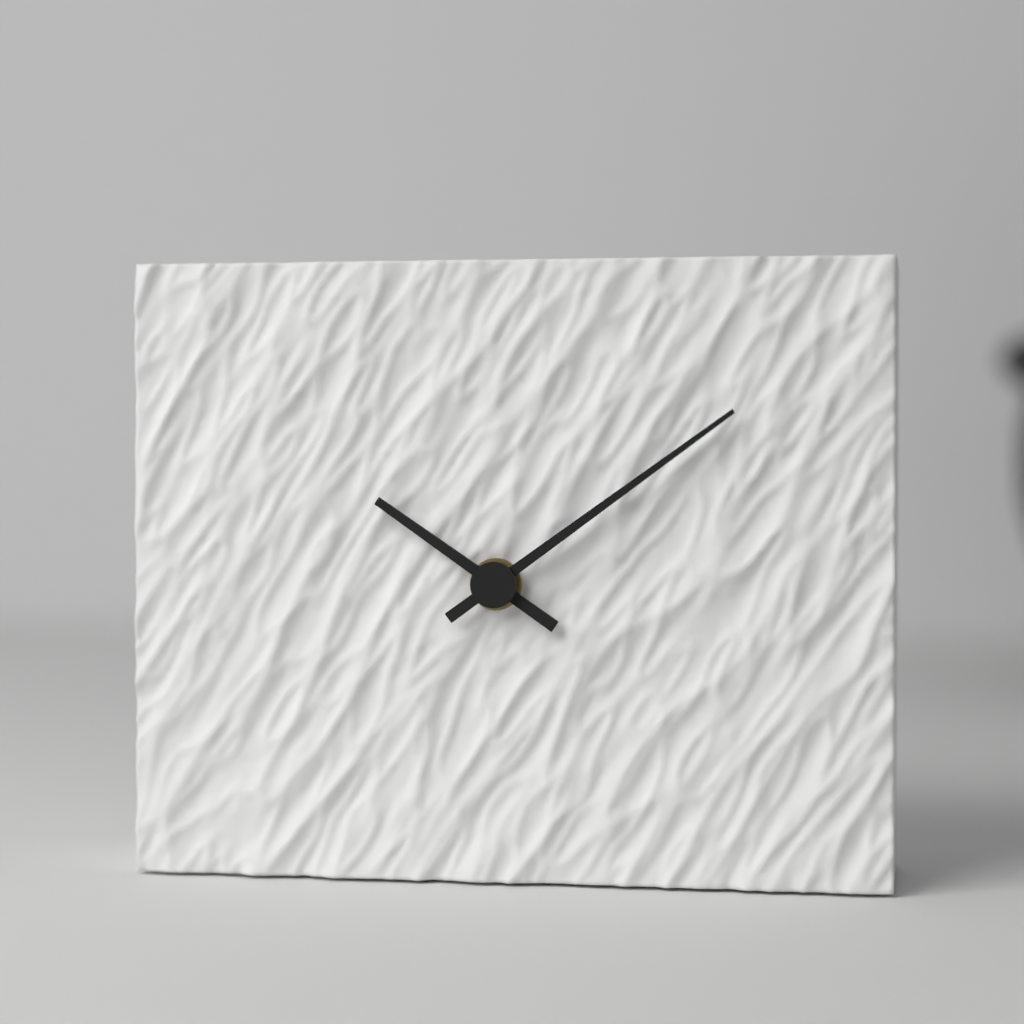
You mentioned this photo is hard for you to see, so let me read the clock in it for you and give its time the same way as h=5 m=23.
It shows h=10 m=9
